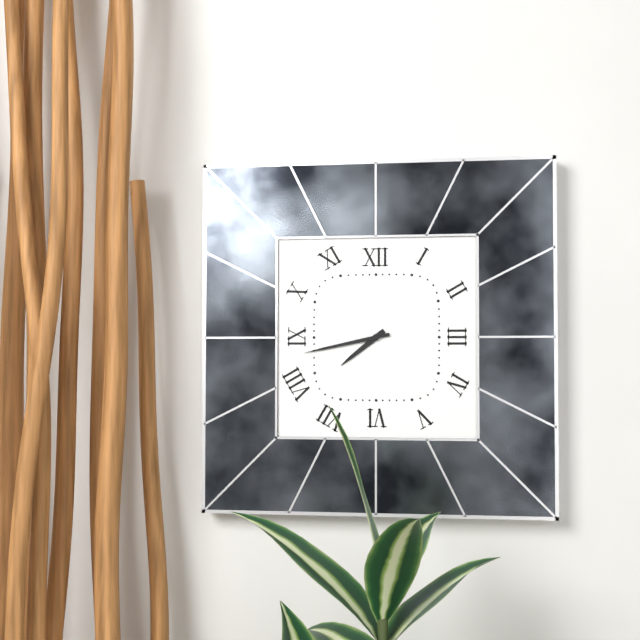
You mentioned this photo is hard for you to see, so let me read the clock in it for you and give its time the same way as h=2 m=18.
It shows h=7 m=43
